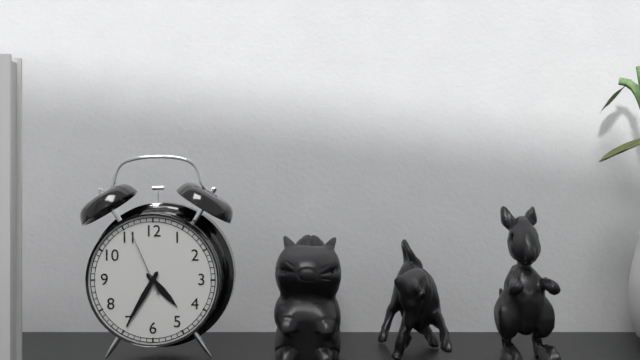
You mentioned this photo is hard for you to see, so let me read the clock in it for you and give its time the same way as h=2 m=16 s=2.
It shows h=4 m=35 s=56
